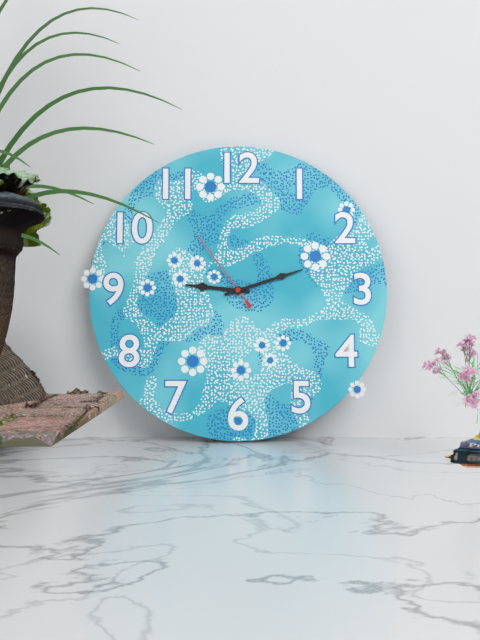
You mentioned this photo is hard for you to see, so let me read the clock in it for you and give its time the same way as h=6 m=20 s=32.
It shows h=9 m=12 s=54
